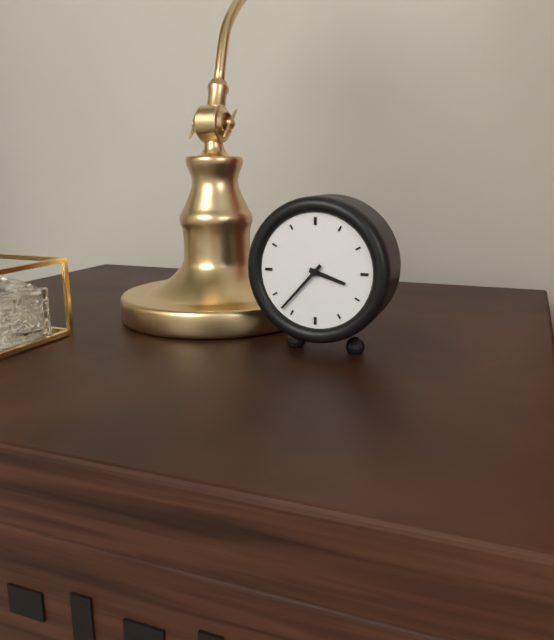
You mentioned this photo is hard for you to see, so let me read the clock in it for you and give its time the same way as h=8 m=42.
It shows h=3 m=37
